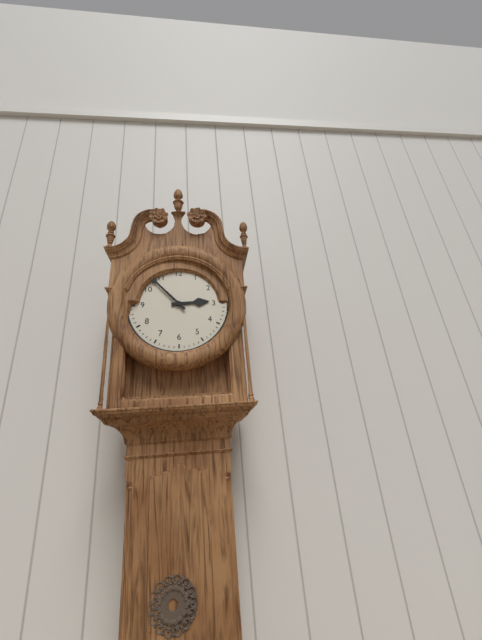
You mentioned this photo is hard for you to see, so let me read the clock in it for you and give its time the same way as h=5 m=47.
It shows h=2 m=53
